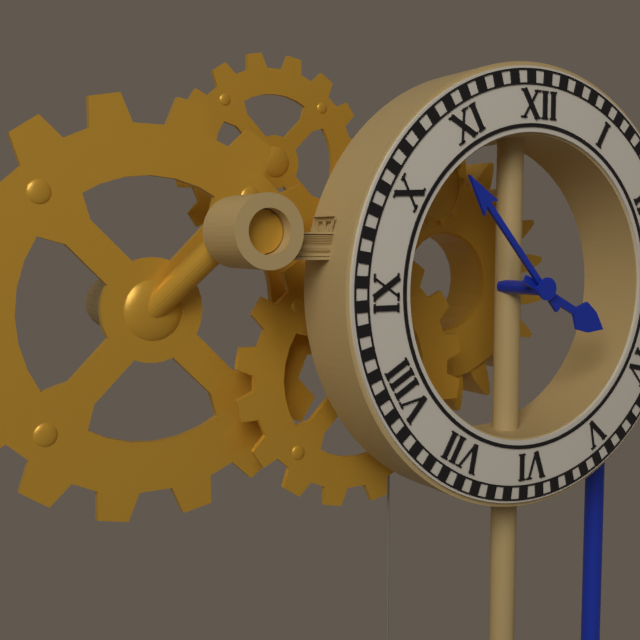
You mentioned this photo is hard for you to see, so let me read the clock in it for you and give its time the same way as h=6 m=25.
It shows h=3 m=53
